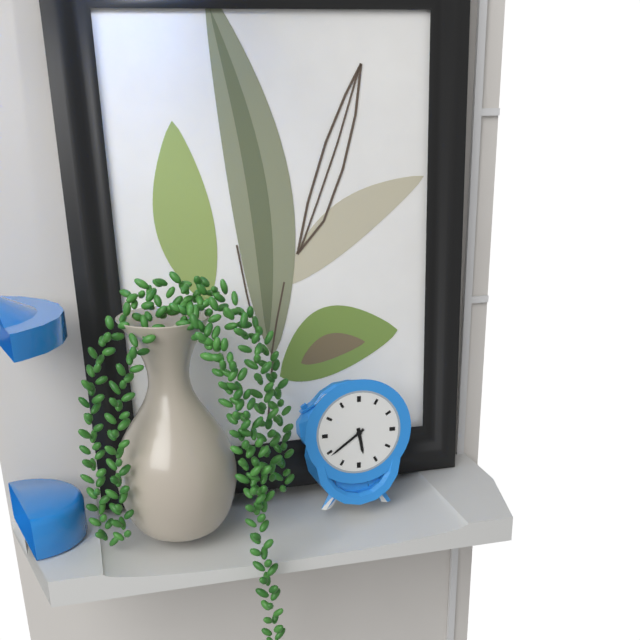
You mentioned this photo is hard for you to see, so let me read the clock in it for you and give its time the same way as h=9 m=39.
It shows h=5 m=39
